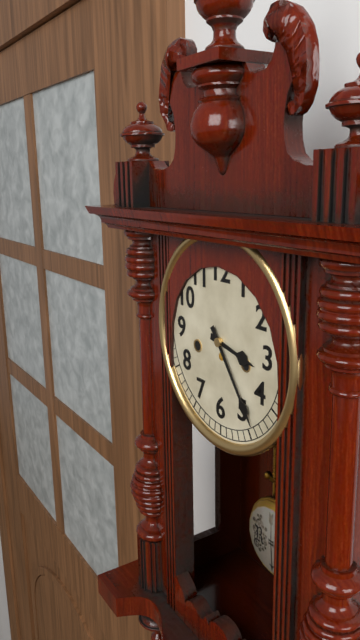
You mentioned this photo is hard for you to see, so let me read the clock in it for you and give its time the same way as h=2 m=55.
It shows h=3 m=24
